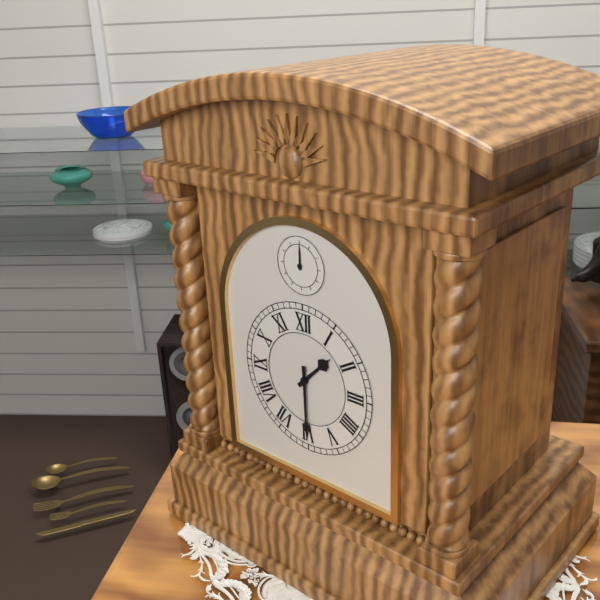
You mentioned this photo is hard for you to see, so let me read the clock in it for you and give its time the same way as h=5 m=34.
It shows h=1 m=30
